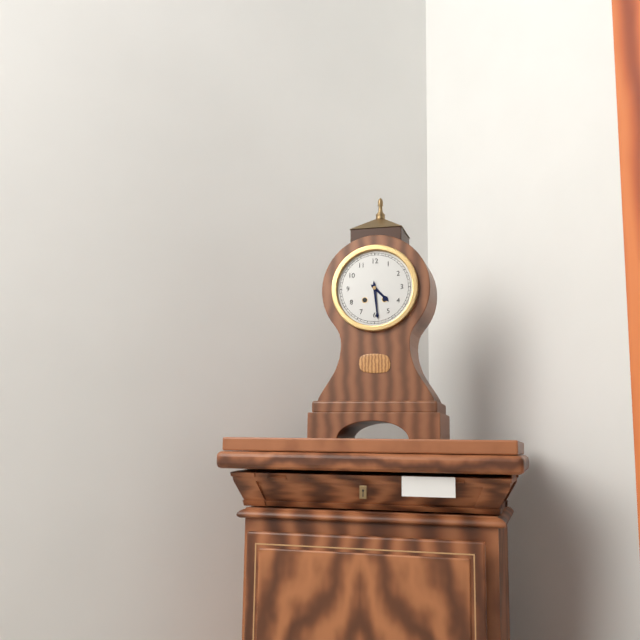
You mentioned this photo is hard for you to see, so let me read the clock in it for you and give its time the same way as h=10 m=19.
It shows h=4 m=29
